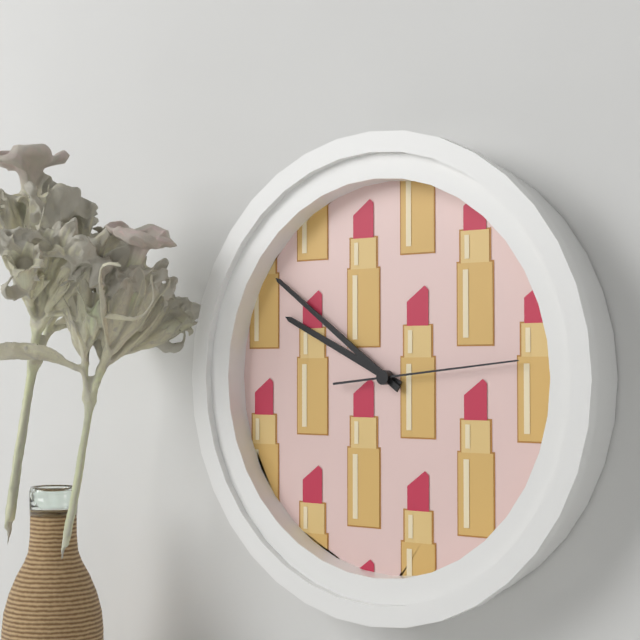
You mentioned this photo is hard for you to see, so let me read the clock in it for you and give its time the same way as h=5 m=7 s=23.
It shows h=9 m=51 s=14
